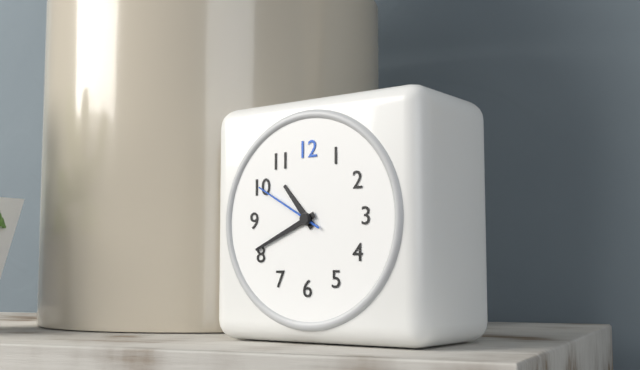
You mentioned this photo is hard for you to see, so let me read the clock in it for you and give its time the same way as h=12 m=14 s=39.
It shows h=10 m=41 s=50
